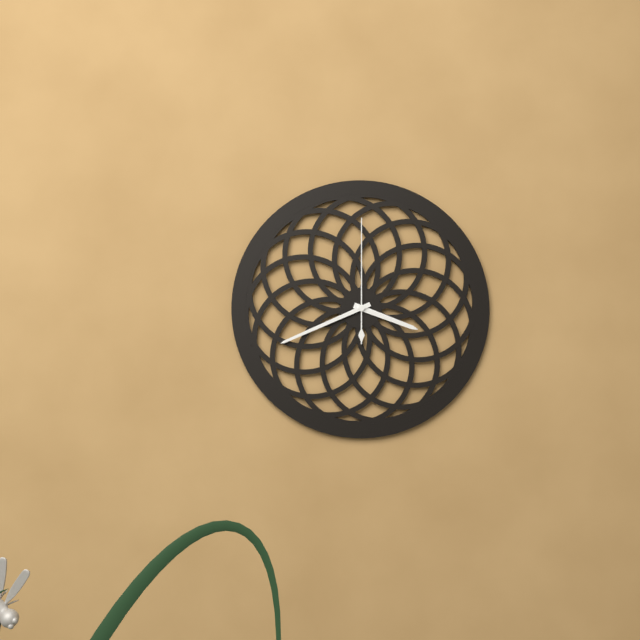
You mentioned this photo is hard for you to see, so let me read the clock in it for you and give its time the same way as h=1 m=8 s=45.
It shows h=3 m=41 s=0
